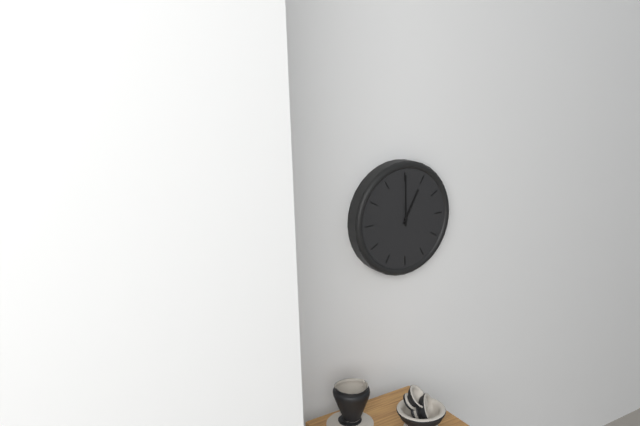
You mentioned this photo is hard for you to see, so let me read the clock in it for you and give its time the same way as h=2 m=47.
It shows h=1 m=0
